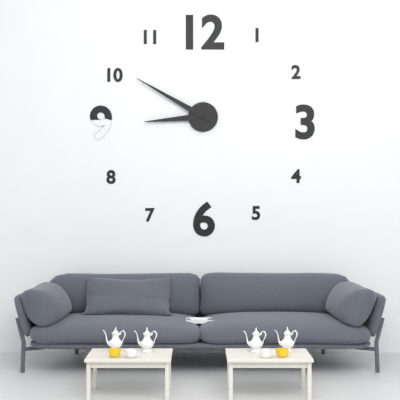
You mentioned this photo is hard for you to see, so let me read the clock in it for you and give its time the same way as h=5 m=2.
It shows h=8 m=50
